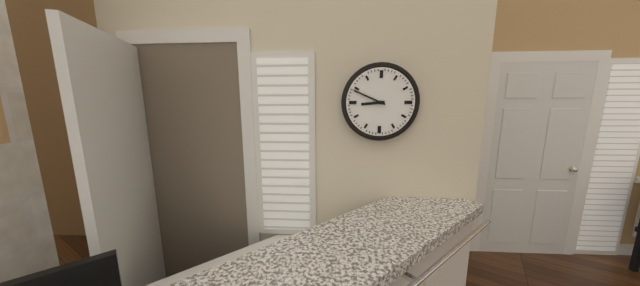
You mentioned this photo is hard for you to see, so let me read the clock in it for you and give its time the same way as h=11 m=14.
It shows h=8 m=49
